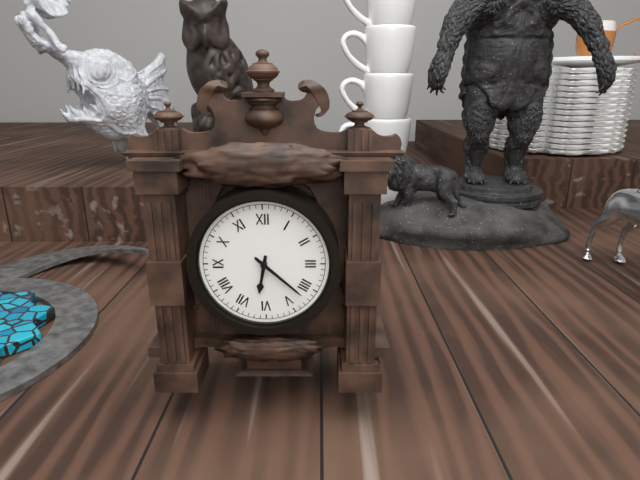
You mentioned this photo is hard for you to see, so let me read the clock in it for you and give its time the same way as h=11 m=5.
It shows h=6 m=22
